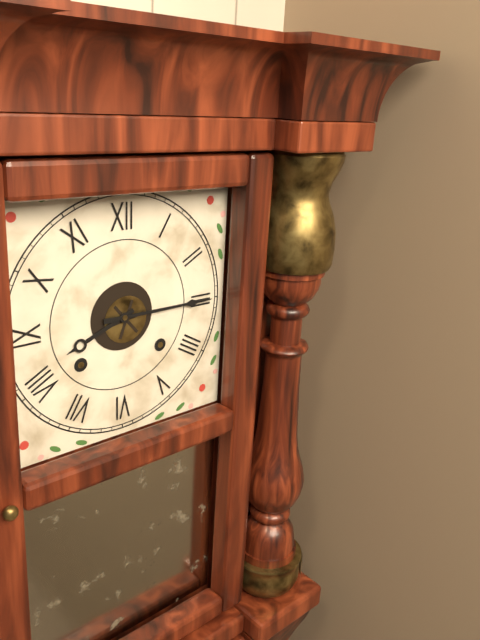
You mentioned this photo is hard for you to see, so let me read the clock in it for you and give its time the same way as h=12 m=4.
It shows h=8 m=15
